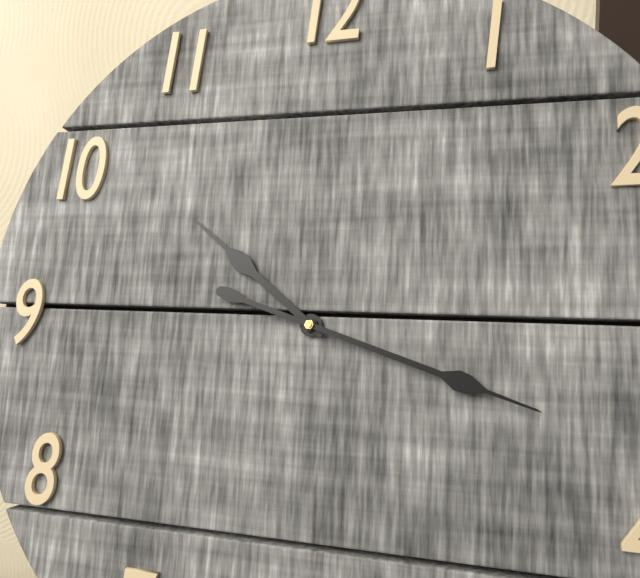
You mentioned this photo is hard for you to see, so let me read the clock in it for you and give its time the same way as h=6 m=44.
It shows h=10 m=18
